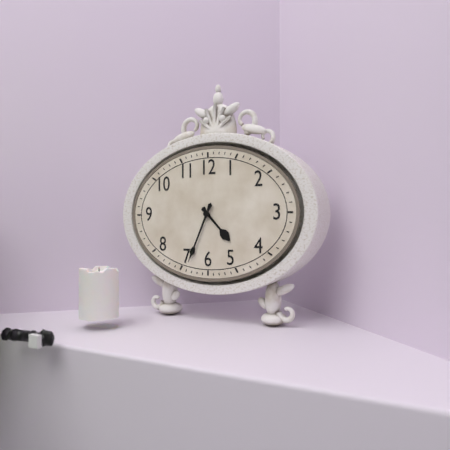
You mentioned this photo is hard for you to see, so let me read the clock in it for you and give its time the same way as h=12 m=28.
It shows h=4 m=34
